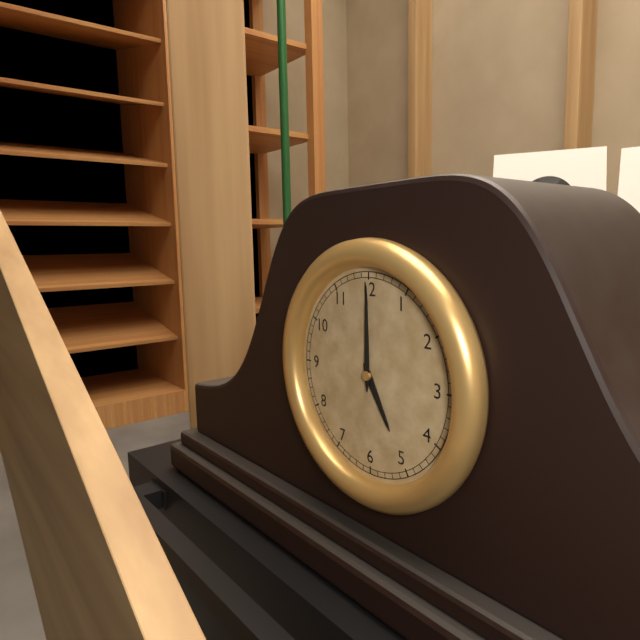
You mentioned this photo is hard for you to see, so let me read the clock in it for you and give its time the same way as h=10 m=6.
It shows h=5 m=0
